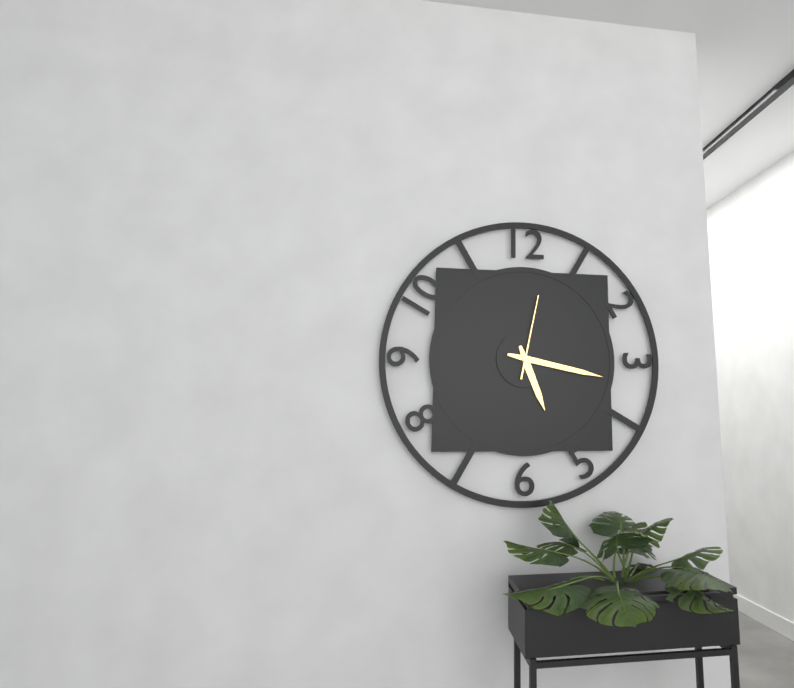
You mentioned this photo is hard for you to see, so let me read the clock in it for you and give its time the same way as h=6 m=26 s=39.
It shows h=5 m=17 s=2
